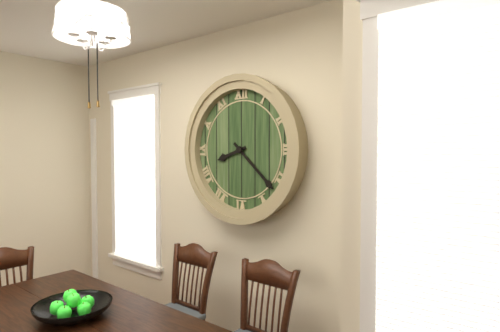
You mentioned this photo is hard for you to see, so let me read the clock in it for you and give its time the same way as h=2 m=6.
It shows h=8 m=22
